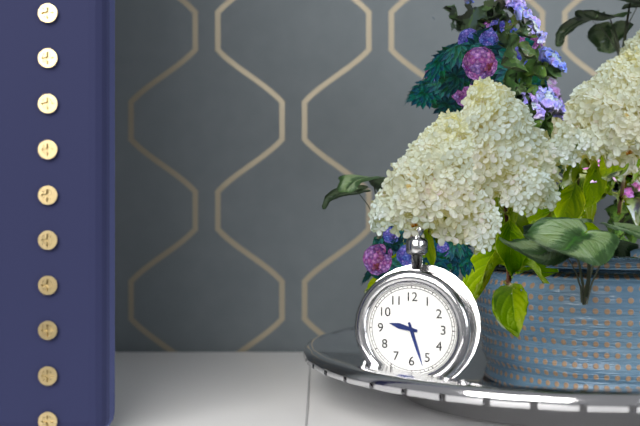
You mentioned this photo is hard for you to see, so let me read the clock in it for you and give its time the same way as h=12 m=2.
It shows h=9 m=27
